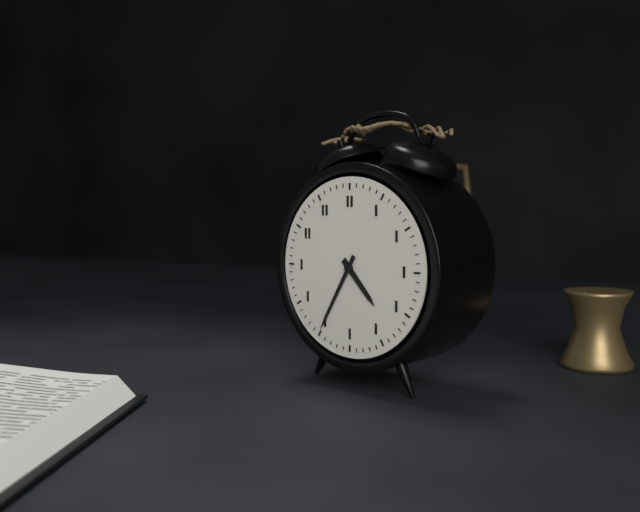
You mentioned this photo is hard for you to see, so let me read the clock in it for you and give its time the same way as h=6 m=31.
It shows h=4 m=35
